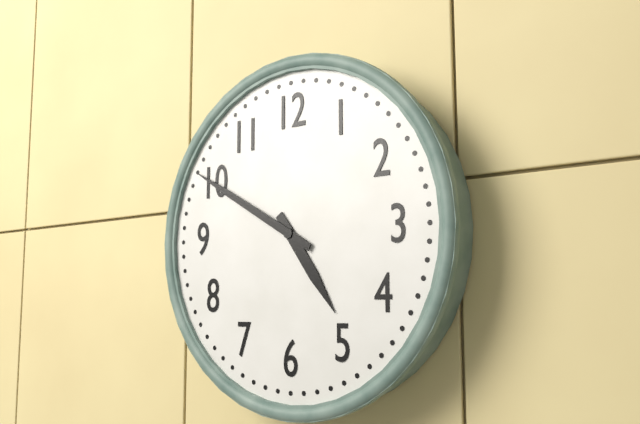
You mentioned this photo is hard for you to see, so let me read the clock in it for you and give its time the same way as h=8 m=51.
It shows h=4 m=50
